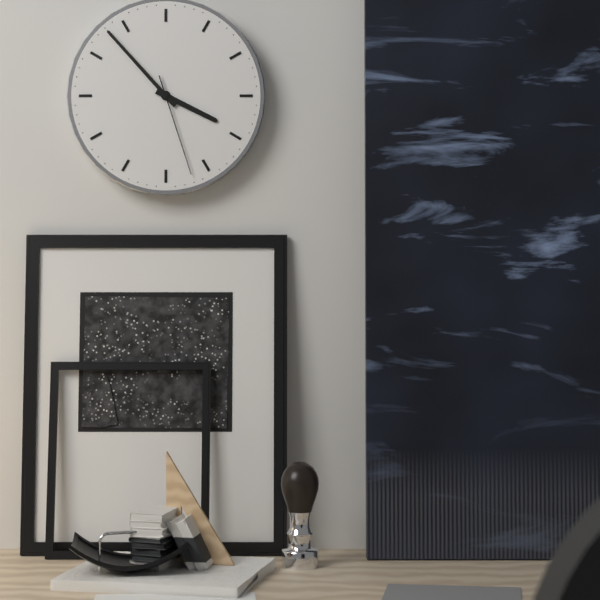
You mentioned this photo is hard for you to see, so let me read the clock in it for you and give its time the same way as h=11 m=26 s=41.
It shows h=3 m=53 s=27
